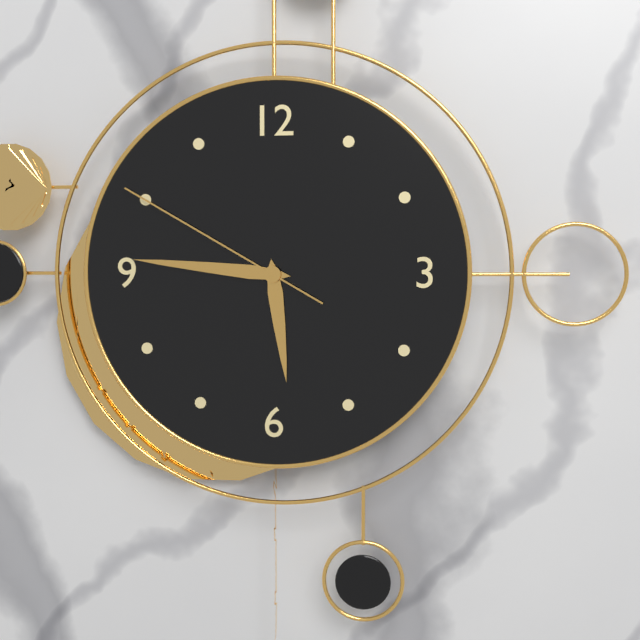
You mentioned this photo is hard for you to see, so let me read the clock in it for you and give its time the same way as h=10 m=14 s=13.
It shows h=5 m=46 s=50
